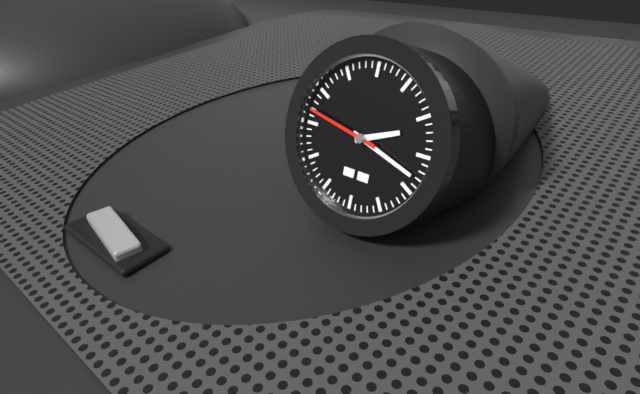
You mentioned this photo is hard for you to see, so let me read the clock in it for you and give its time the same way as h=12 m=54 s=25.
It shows h=2 m=18 s=47
